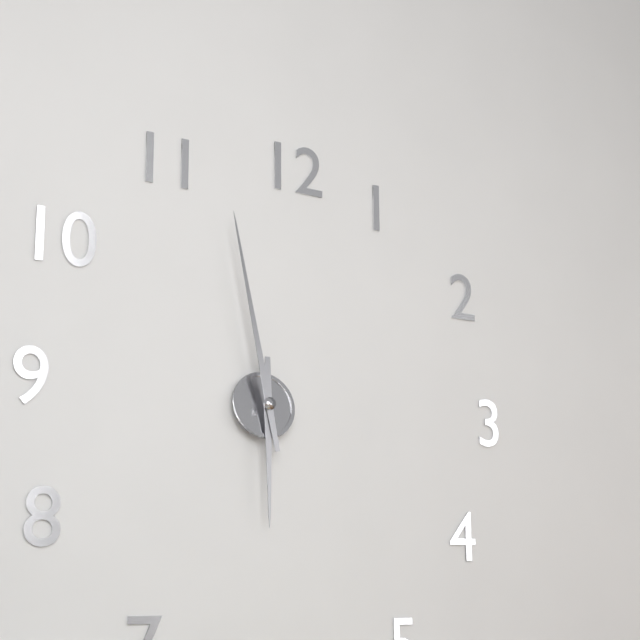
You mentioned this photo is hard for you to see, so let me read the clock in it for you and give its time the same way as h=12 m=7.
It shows h=5 m=58
